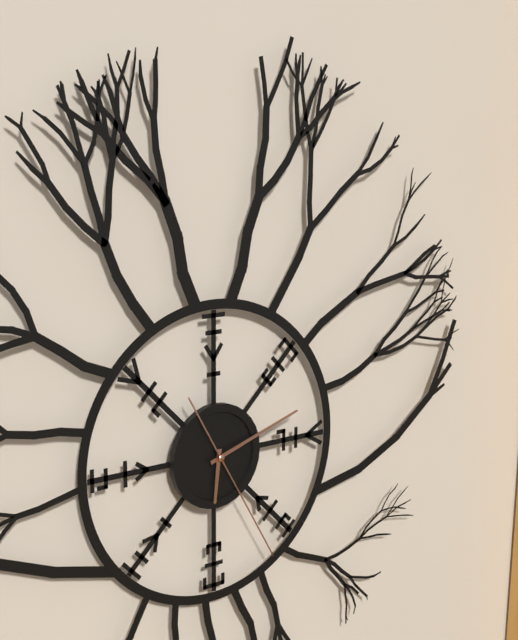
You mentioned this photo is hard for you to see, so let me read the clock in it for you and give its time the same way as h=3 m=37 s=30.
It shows h=6 m=12 s=25
